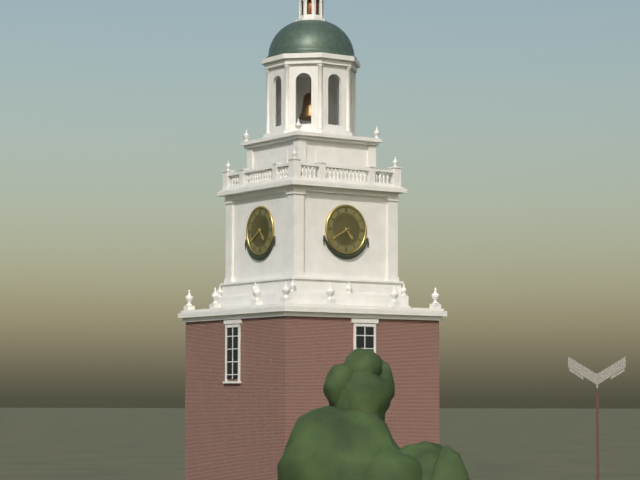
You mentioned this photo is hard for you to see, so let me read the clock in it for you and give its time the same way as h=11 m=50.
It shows h=4 m=40
